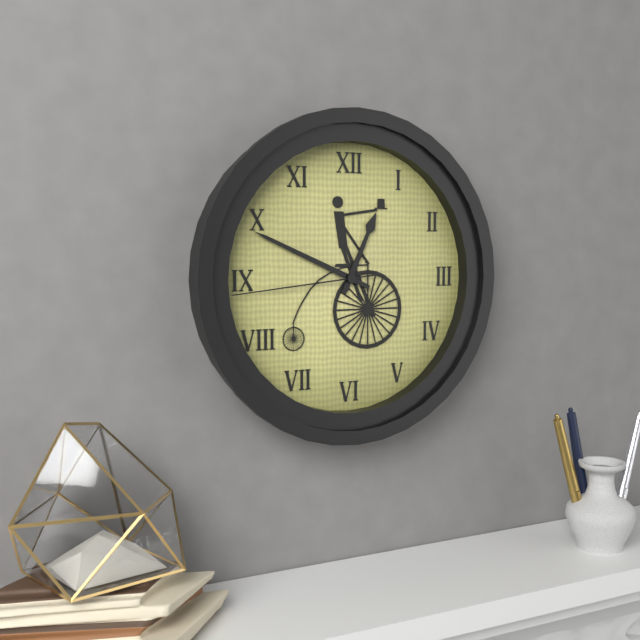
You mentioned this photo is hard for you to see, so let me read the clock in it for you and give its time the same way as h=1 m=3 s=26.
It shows h=12 m=49 s=44
